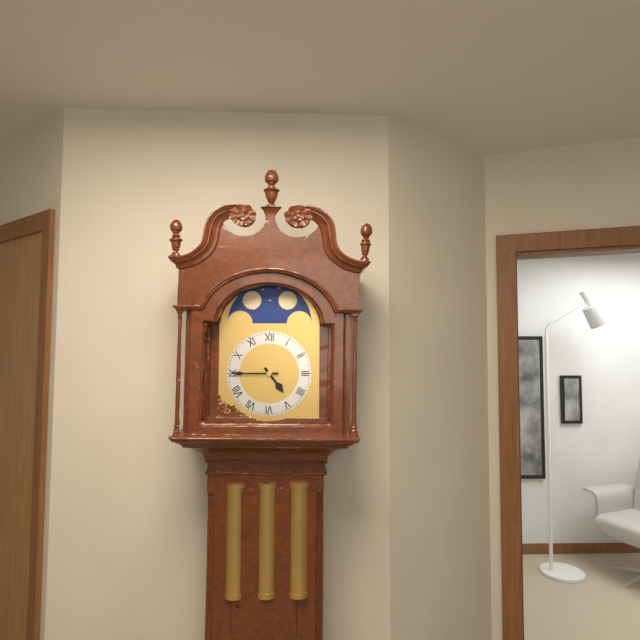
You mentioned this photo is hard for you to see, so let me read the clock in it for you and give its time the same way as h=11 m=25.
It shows h=4 m=45
